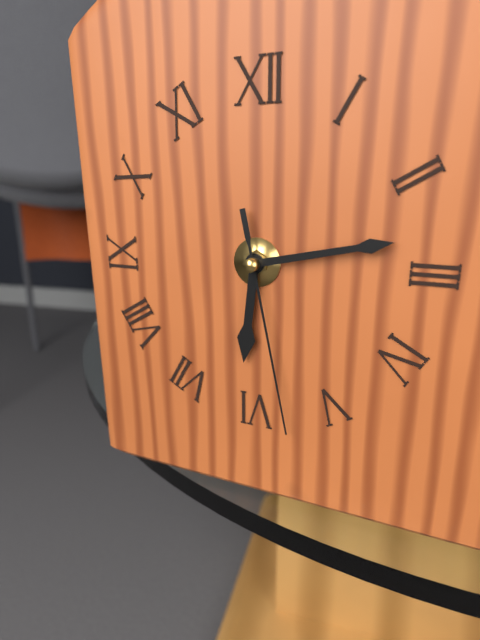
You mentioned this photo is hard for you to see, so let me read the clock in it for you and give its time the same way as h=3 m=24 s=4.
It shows h=6 m=13 s=28
